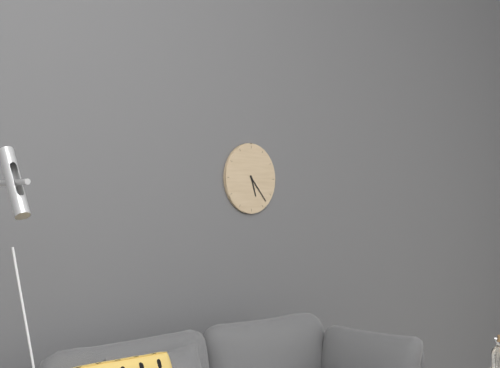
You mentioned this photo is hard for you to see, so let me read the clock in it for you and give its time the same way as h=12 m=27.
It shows h=5 m=23
